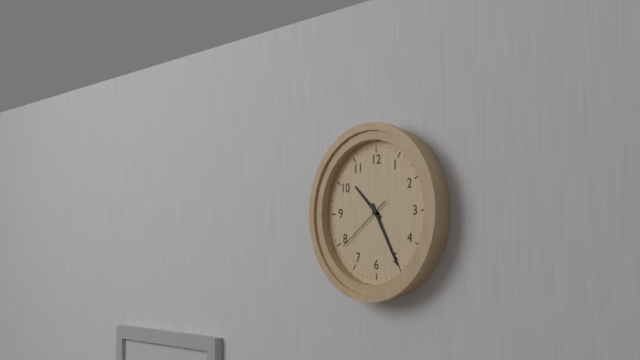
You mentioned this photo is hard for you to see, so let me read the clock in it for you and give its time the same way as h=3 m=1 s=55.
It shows h=10 m=25 s=39
